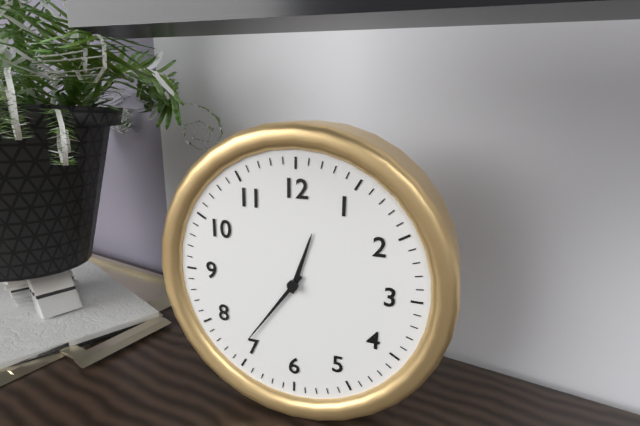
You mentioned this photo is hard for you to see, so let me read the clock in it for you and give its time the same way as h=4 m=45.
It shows h=12 m=36
